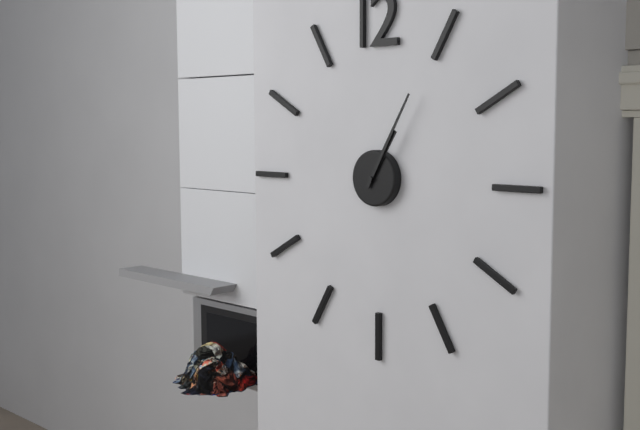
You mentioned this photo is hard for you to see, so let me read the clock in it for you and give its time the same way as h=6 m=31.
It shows h=1 m=5
